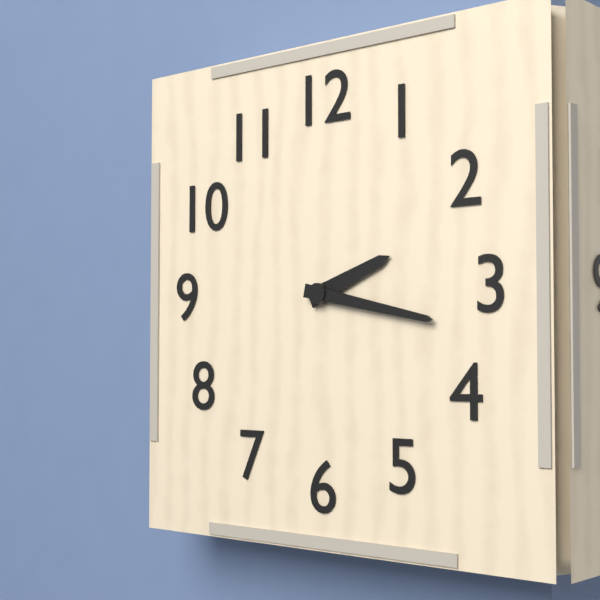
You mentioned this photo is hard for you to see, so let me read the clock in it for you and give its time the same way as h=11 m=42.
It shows h=2 m=17
